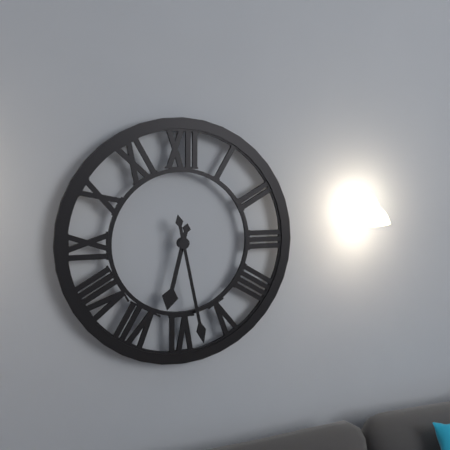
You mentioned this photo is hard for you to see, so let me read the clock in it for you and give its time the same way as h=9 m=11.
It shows h=6 m=28
